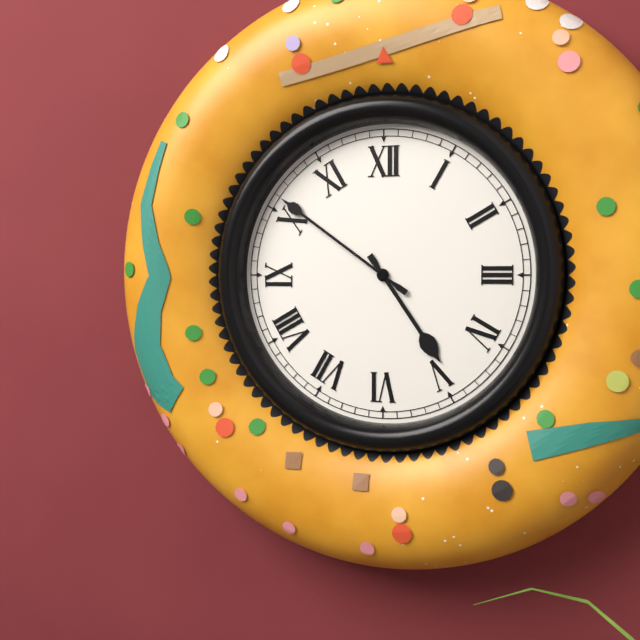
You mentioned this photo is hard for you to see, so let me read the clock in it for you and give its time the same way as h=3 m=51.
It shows h=4 m=51
